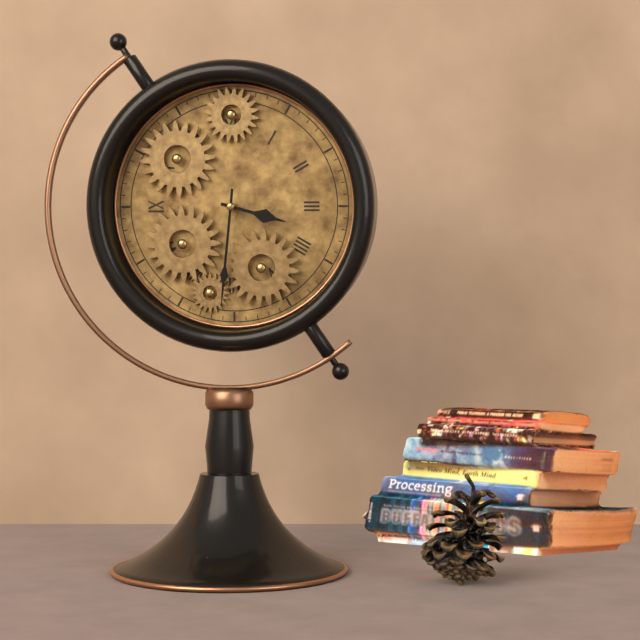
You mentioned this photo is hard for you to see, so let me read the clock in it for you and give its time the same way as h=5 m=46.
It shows h=3 m=31
